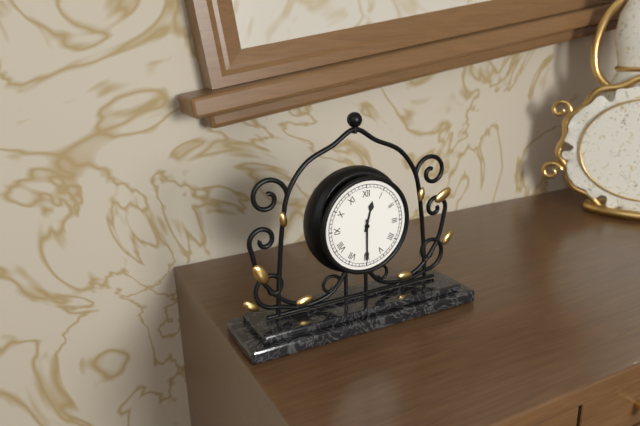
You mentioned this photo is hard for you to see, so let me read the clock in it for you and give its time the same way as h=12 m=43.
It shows h=12 m=30
